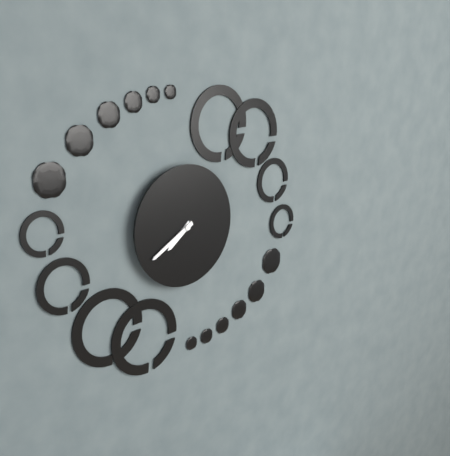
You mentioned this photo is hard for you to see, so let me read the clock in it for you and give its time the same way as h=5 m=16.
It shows h=7 m=40
